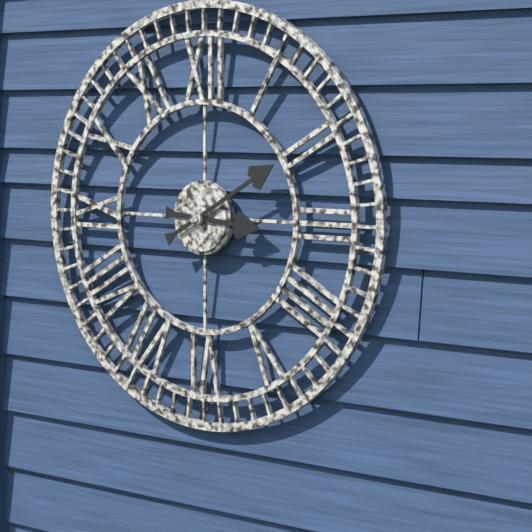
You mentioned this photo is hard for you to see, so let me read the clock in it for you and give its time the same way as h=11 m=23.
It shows h=3 m=10
